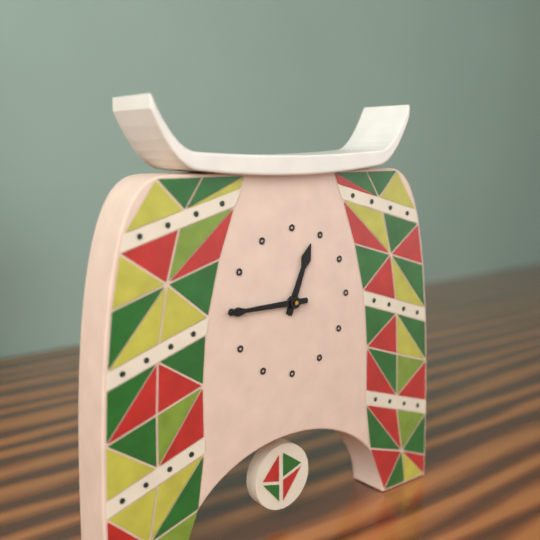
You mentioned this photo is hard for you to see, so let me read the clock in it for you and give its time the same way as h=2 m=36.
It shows h=12 m=45
